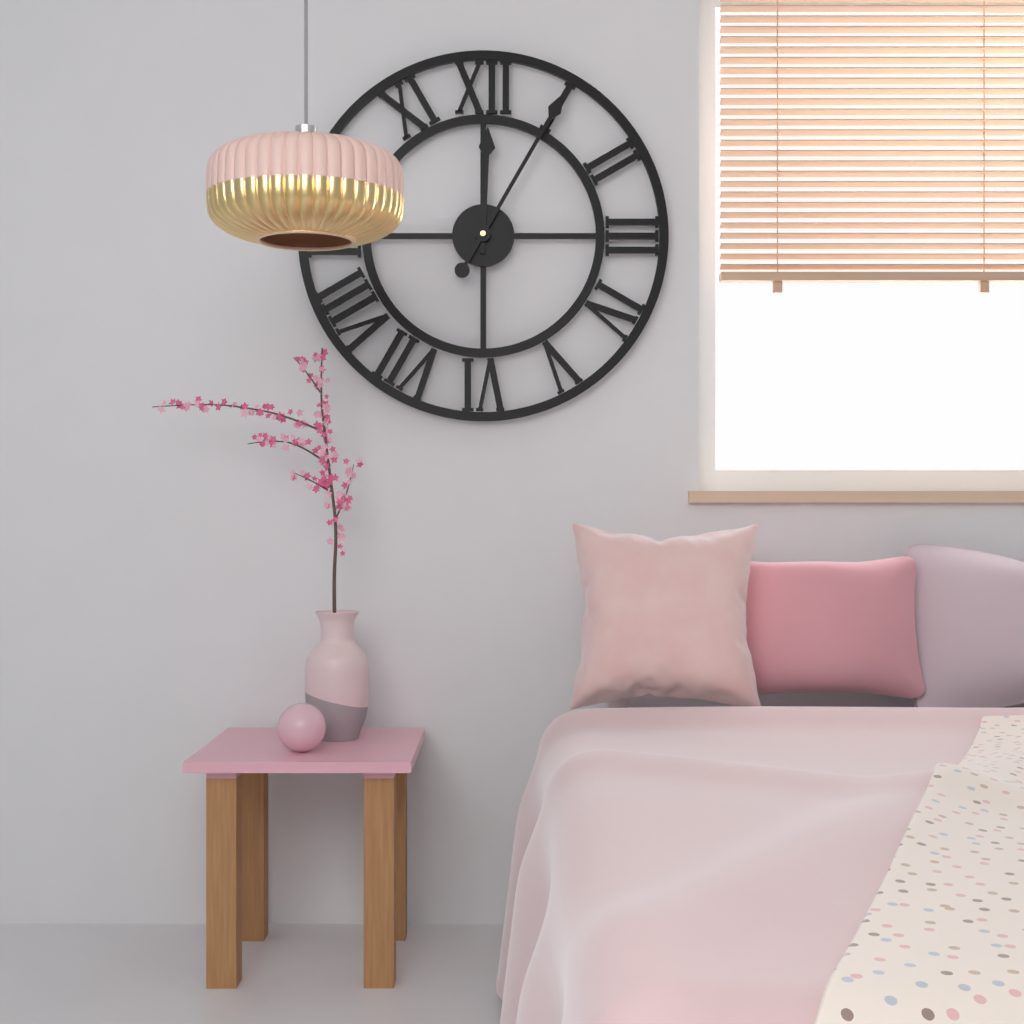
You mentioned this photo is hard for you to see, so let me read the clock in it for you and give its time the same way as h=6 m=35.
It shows h=12 m=5
